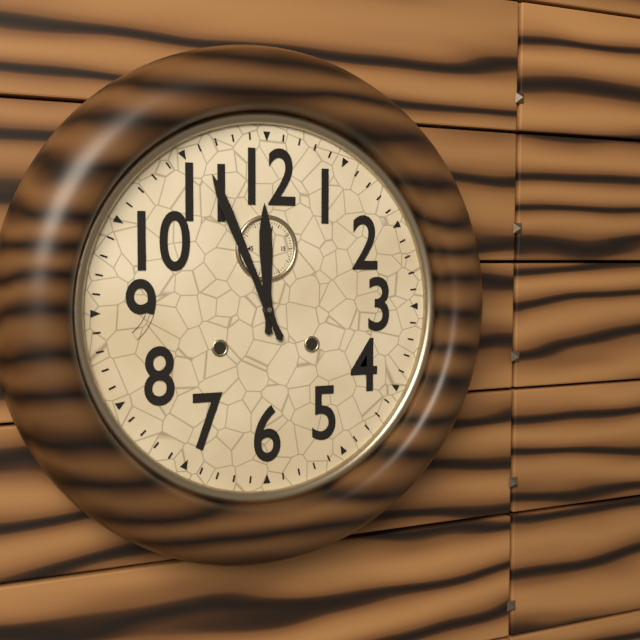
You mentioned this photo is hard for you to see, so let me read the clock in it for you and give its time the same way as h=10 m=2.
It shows h=11 m=56
